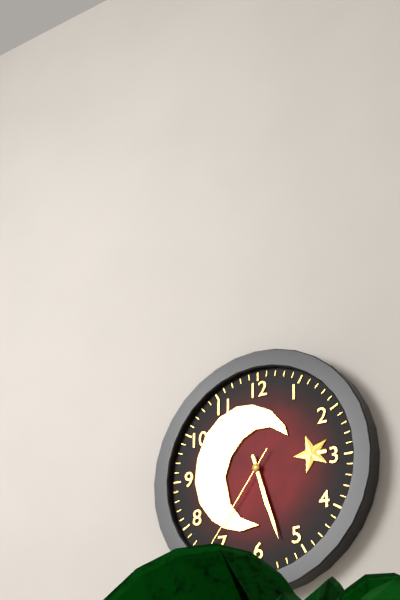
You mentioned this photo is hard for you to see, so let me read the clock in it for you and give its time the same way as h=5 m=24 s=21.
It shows h=5 m=27 s=36
